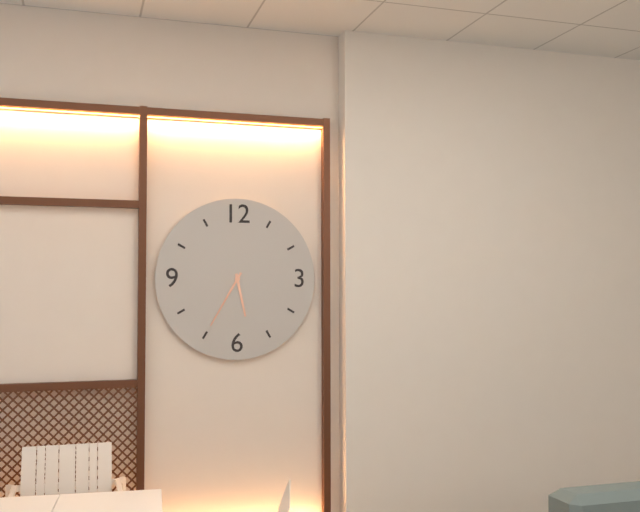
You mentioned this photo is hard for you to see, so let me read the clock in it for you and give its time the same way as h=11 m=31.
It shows h=5 m=35
